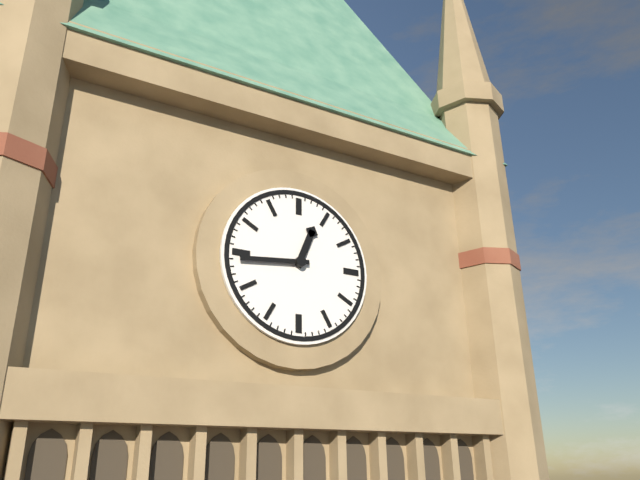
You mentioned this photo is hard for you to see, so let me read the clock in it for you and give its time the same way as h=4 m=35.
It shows h=12 m=44
